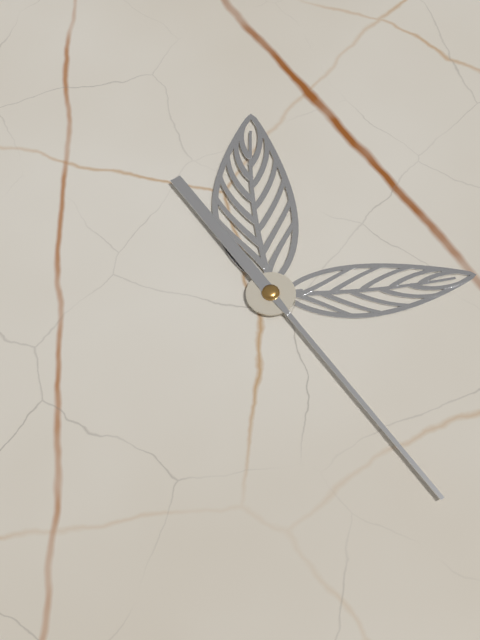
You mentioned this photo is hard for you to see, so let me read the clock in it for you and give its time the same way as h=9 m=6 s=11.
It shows h=9 m=33 s=58
